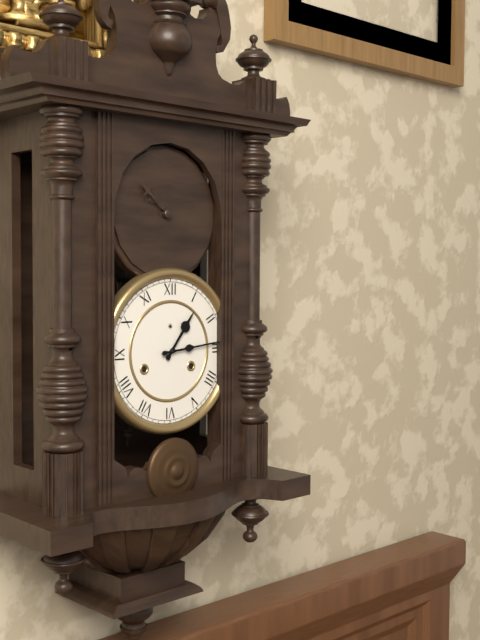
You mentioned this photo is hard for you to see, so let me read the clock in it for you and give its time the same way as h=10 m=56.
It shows h=1 m=14
